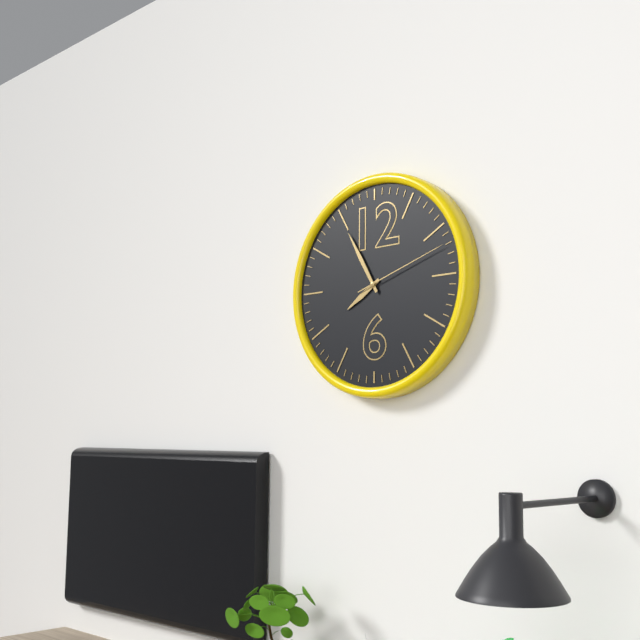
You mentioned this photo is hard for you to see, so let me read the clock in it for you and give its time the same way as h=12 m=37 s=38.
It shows h=7 m=55 s=12
